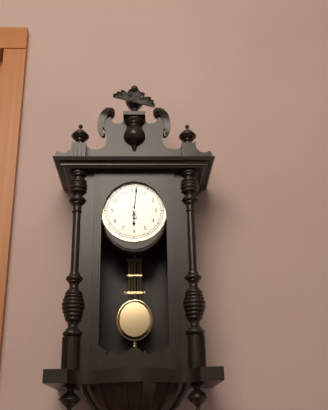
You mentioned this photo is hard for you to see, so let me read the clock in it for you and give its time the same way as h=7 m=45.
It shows h=6 m=1
